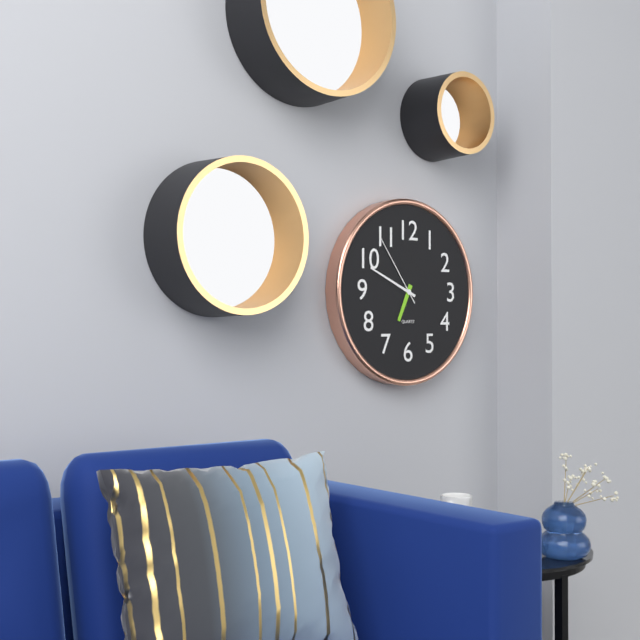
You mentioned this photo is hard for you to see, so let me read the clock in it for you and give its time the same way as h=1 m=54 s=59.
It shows h=6 m=49 s=54
